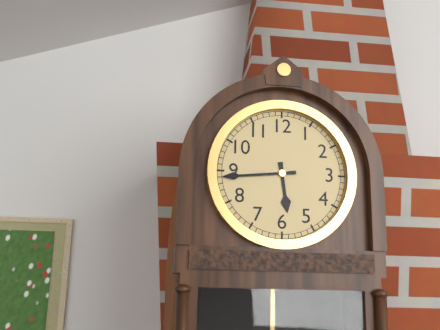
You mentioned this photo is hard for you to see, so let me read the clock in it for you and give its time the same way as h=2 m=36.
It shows h=5 m=44
